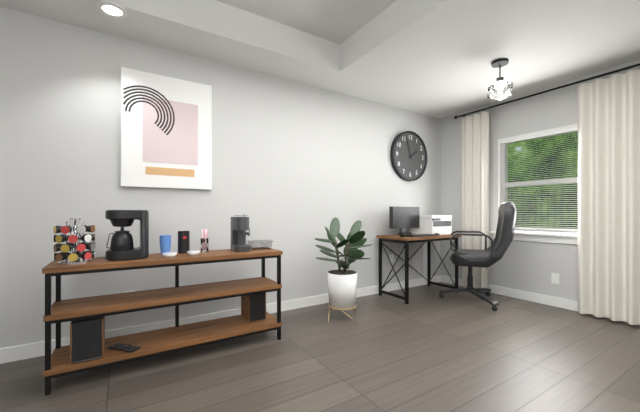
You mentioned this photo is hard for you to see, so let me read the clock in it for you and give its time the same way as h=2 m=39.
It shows h=1 m=57
